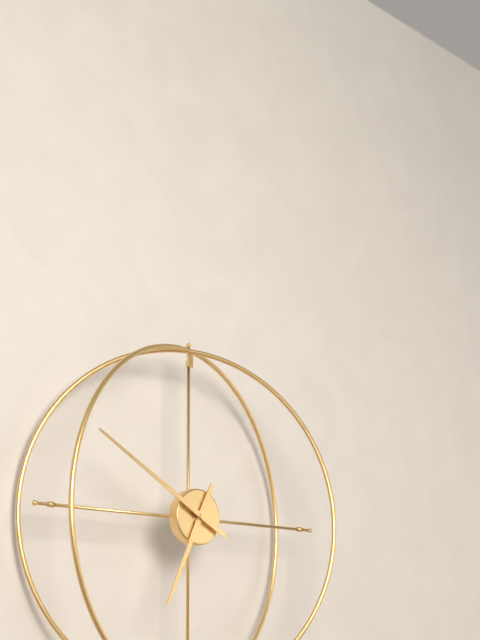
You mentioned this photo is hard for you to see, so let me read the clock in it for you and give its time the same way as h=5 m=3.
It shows h=6 m=50
